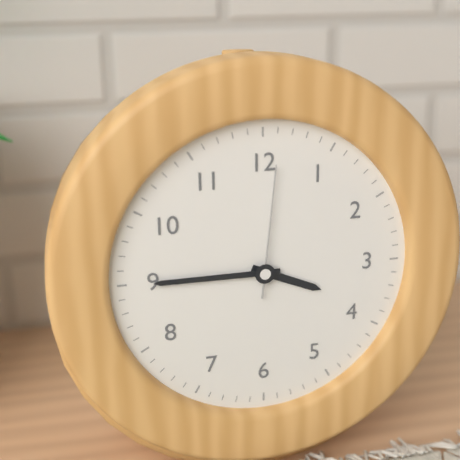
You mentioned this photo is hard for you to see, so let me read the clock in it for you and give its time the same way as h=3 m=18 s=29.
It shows h=3 m=45 s=1
